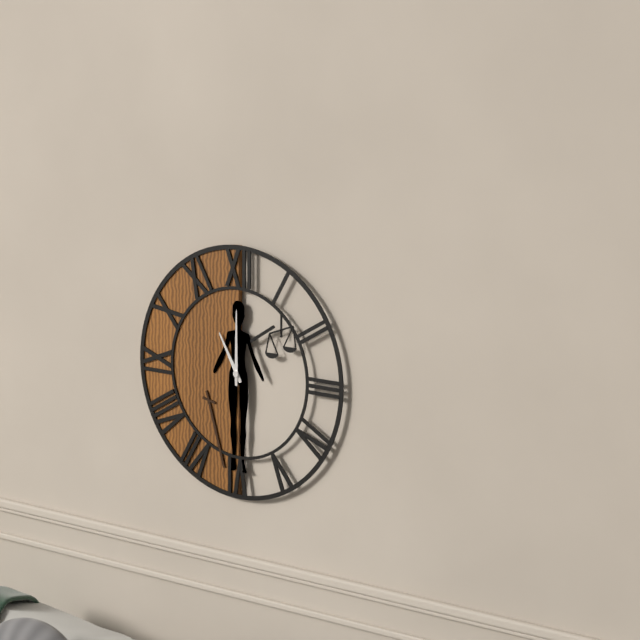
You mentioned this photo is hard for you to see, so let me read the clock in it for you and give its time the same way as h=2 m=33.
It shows h=11 m=0
